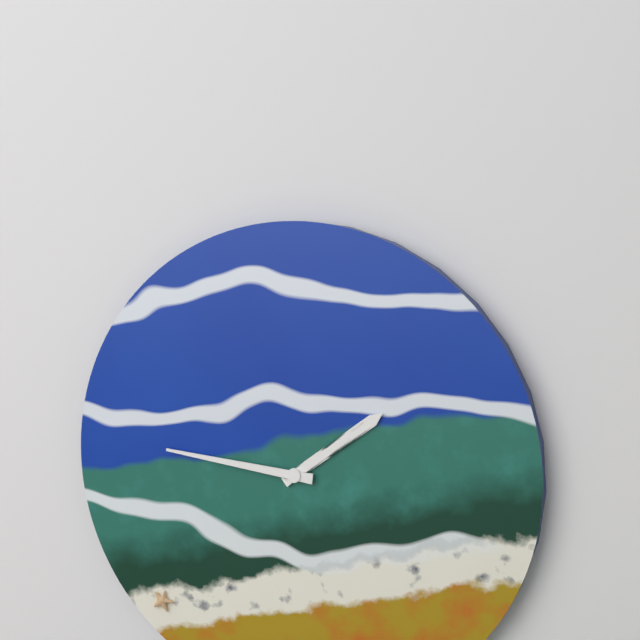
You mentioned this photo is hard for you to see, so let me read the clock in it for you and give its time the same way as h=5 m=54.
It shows h=1 m=46
